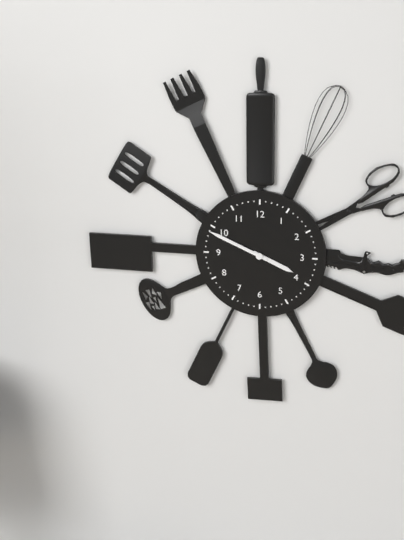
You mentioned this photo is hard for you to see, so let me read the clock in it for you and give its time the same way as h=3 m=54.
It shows h=3 m=49
